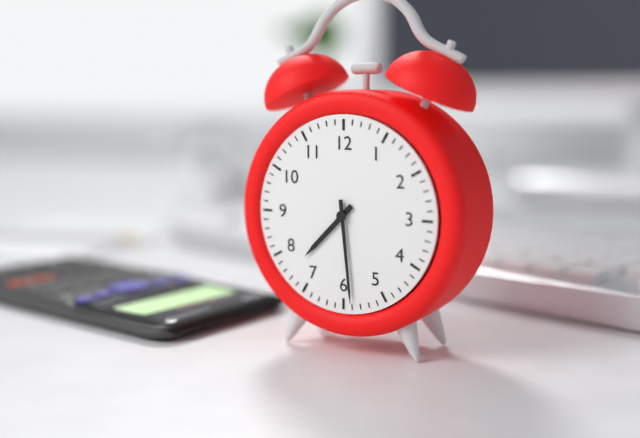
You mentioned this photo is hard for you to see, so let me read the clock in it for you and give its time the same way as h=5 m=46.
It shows h=7 m=29
